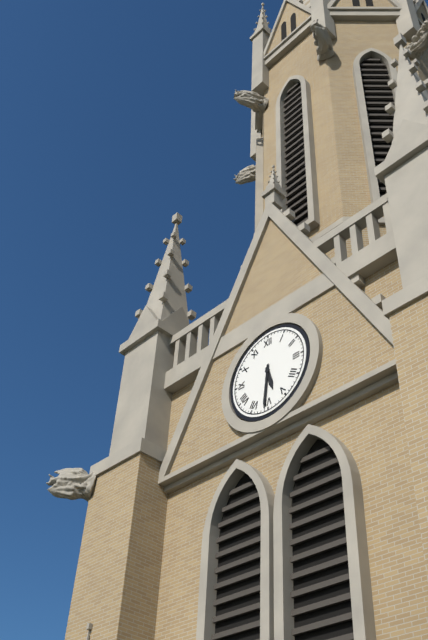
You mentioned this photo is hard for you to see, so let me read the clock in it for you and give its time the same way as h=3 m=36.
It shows h=5 m=31
